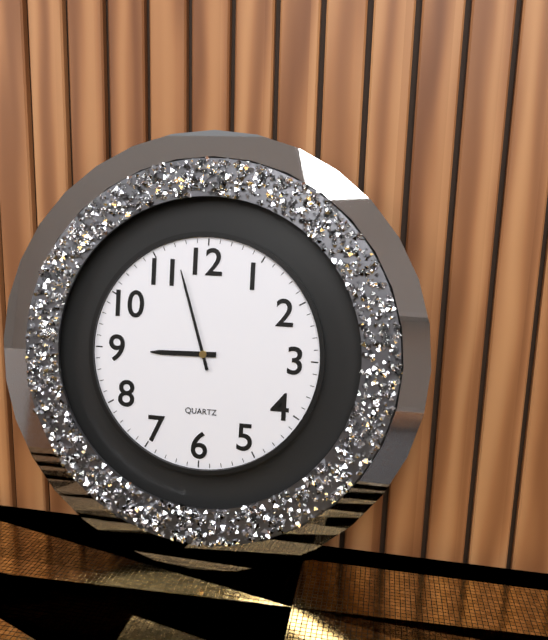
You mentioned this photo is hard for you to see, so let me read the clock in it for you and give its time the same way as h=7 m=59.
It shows h=8 m=57
